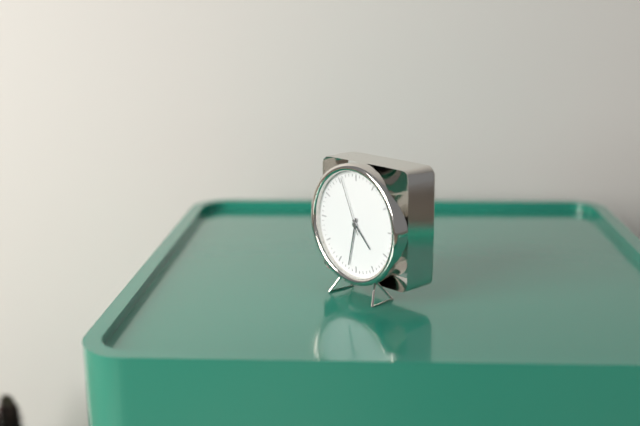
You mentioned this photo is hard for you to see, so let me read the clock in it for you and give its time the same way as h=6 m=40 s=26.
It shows h=4 m=32 s=56
